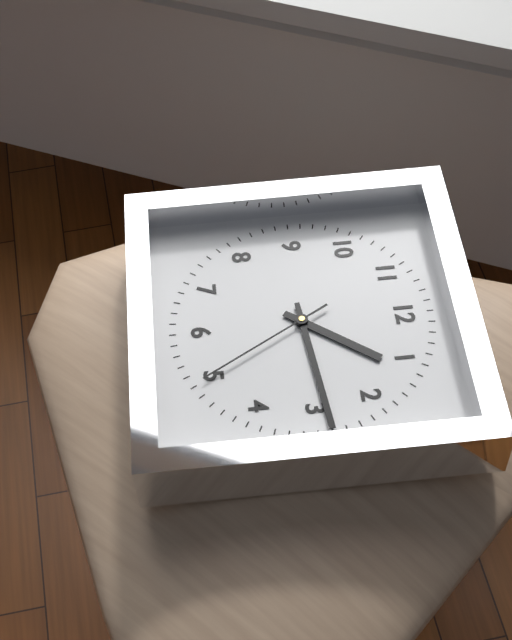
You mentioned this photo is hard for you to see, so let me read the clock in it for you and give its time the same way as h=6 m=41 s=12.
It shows h=1 m=14 s=25
